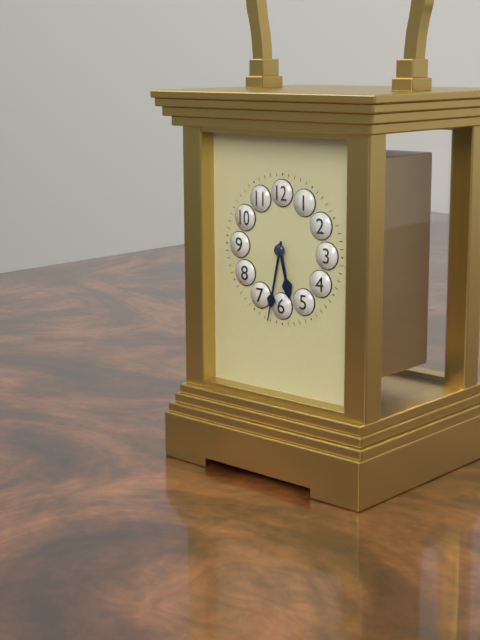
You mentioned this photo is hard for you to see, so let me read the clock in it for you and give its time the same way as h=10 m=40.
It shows h=5 m=32
